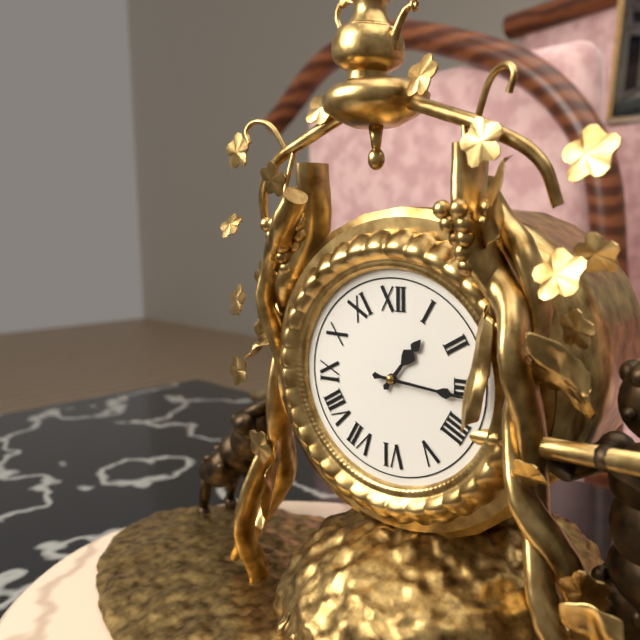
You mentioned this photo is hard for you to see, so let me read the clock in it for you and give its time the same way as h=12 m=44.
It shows h=1 m=16
